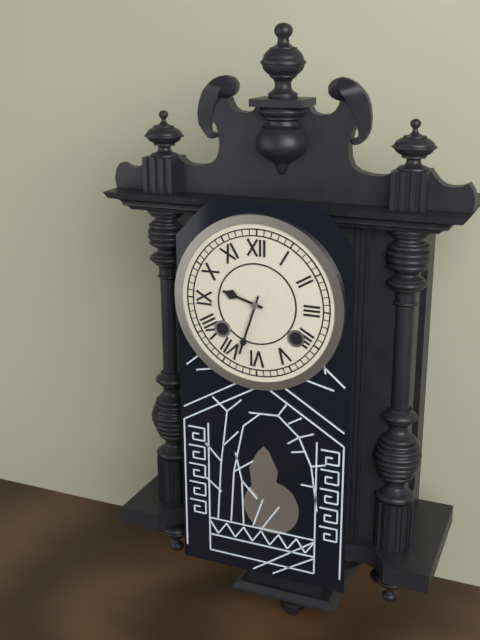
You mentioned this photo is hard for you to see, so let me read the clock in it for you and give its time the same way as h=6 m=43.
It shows h=9 m=33
